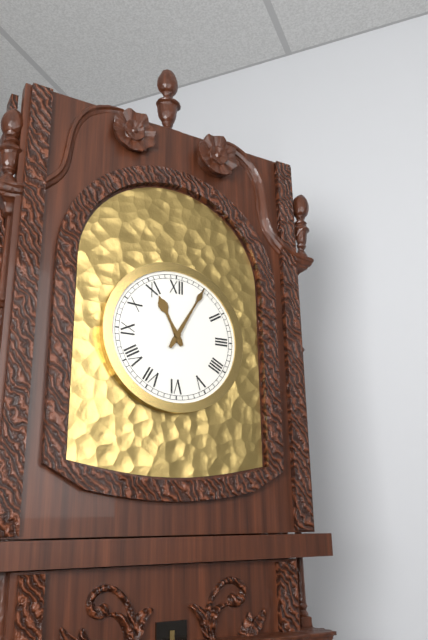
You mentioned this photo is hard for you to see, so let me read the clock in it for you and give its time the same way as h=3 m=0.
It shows h=11 m=5
